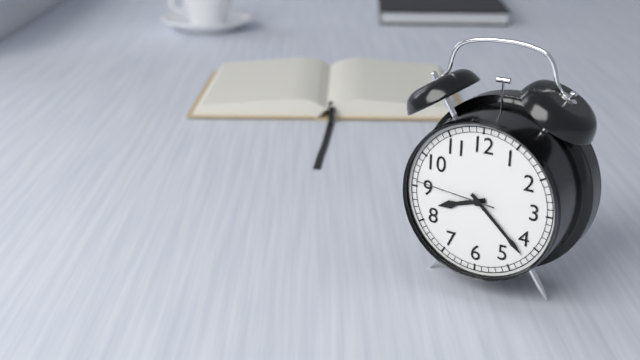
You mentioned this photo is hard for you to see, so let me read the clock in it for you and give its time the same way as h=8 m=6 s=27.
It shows h=8 m=22 s=46
